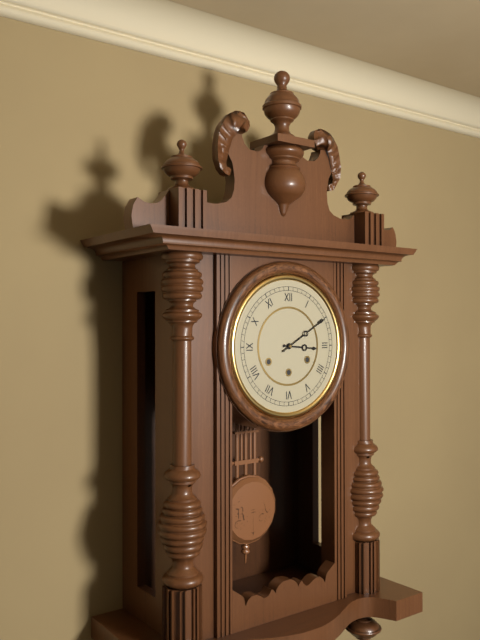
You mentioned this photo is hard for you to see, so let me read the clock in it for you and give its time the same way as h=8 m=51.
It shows h=3 m=10
